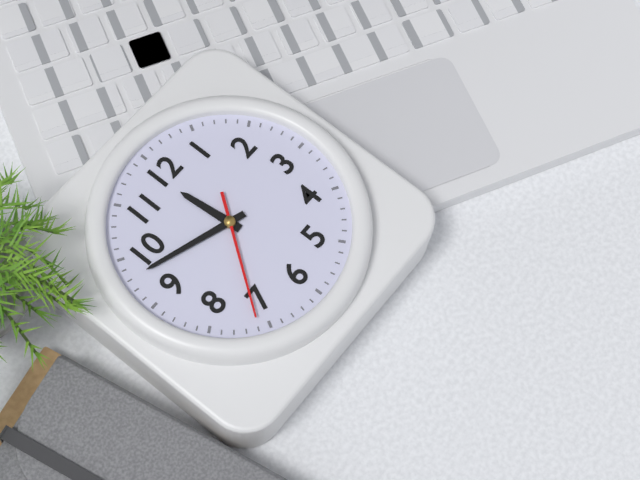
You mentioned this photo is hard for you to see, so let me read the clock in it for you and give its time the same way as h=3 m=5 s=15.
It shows h=11 m=48 s=36
